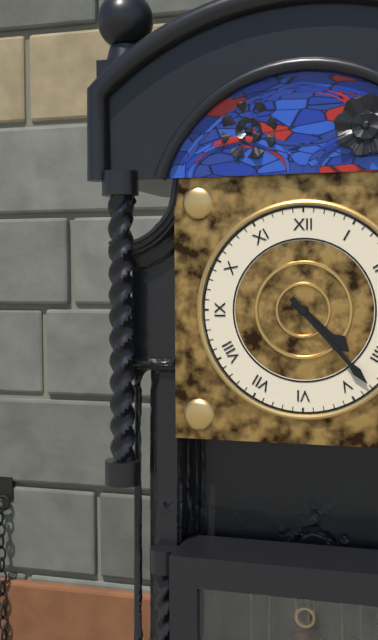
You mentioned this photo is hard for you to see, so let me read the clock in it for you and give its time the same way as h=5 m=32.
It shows h=4 m=23
